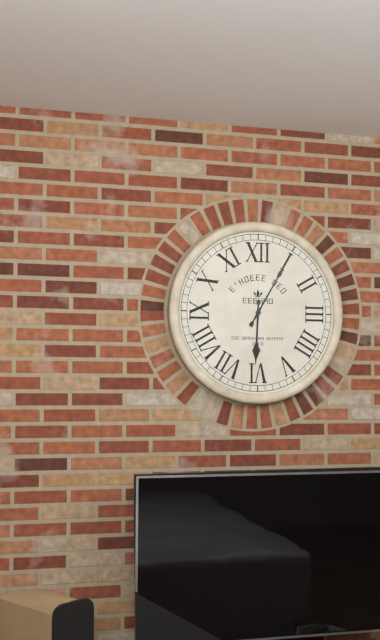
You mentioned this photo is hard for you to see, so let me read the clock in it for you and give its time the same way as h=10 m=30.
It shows h=6 m=5
